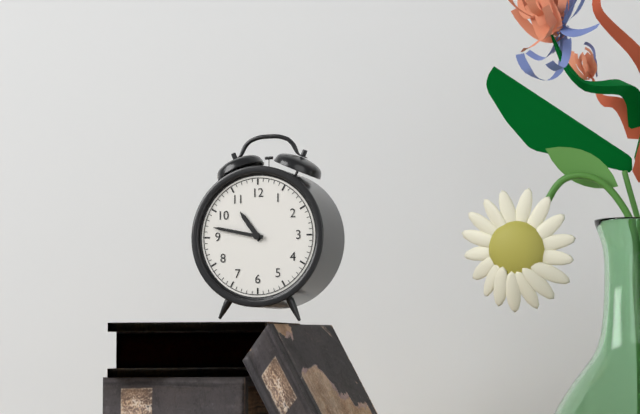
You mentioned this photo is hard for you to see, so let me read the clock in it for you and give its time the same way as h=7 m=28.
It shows h=10 m=47
